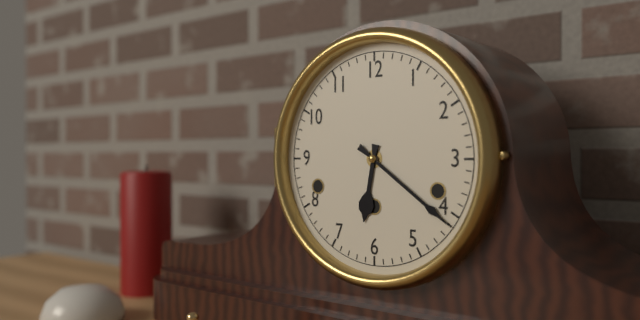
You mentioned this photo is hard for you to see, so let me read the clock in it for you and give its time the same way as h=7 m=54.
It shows h=6 m=21
